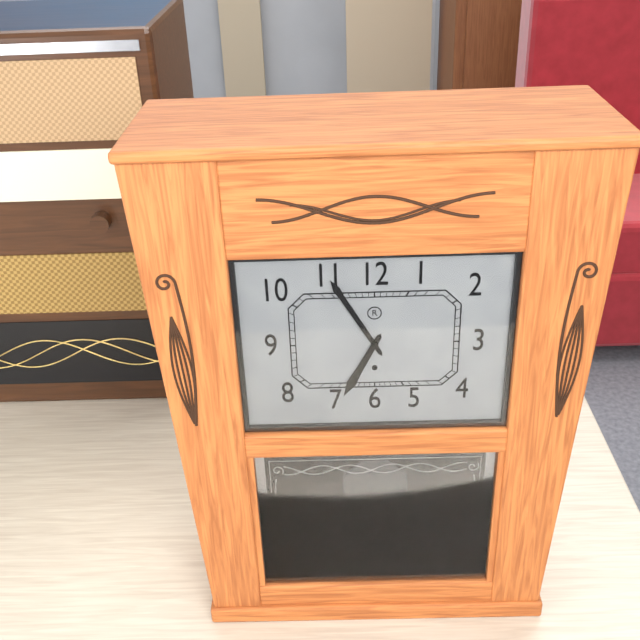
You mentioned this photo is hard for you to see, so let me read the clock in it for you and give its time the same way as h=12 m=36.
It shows h=6 m=55
